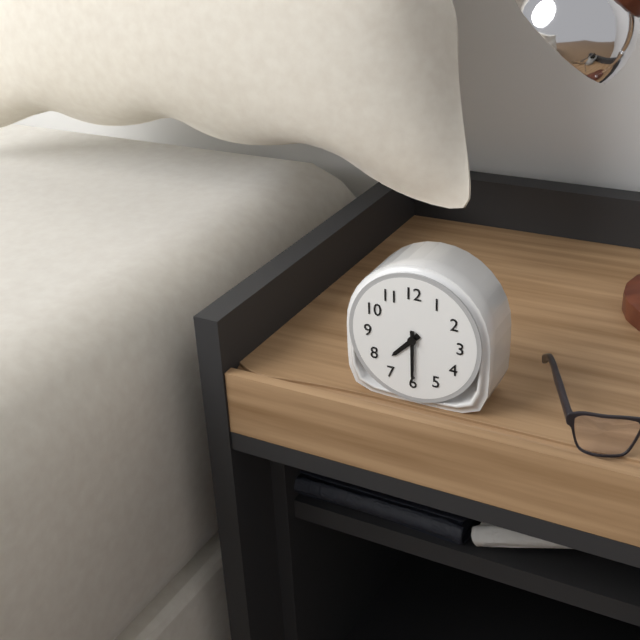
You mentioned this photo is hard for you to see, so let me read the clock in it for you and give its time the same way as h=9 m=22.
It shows h=7 m=30
